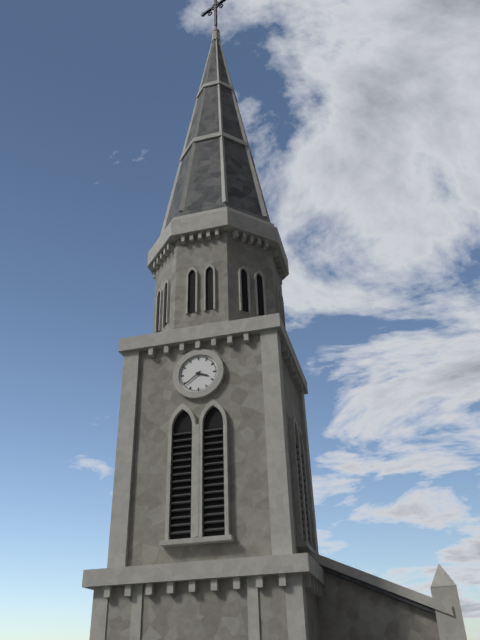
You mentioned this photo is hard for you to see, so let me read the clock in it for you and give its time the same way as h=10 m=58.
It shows h=3 m=39
